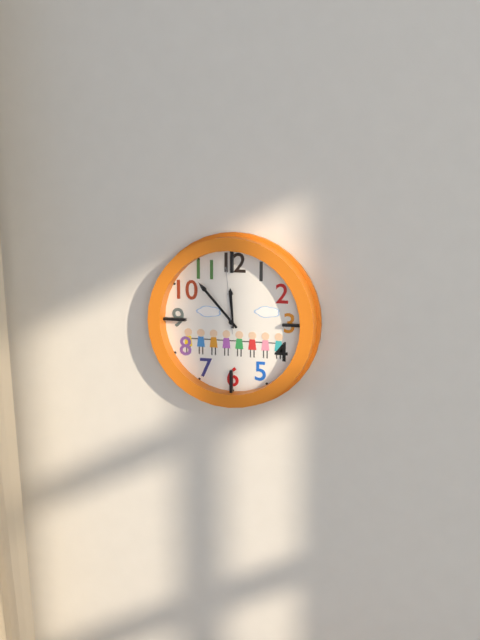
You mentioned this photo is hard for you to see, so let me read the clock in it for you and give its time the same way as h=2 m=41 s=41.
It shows h=11 m=53 s=59
